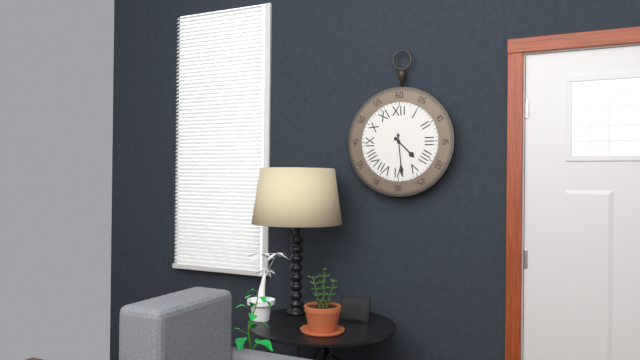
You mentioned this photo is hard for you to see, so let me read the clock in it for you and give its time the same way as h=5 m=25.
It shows h=4 m=29
